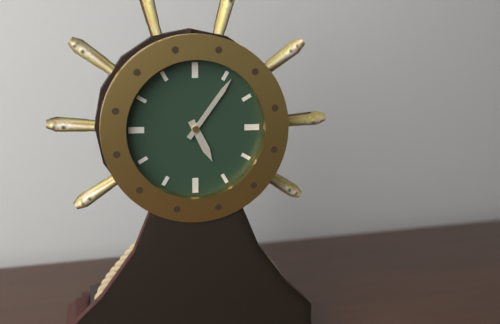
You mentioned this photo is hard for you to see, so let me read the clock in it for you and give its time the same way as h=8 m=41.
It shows h=5 m=6
